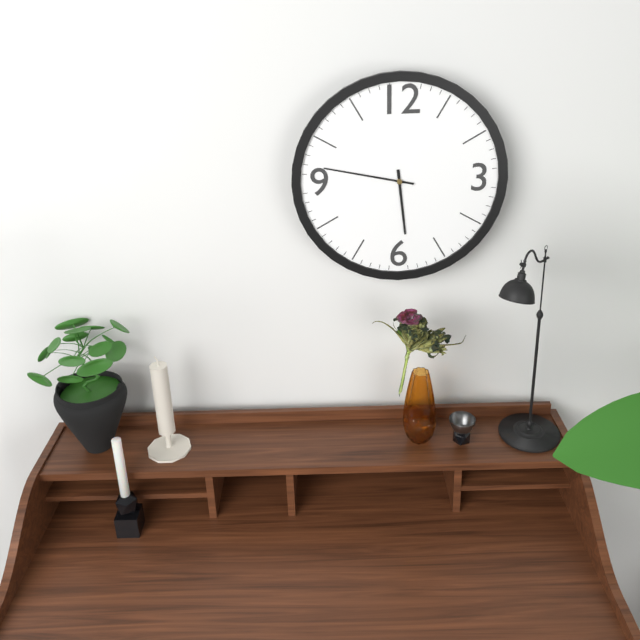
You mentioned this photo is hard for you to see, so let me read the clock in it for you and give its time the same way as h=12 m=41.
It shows h=5 m=47
